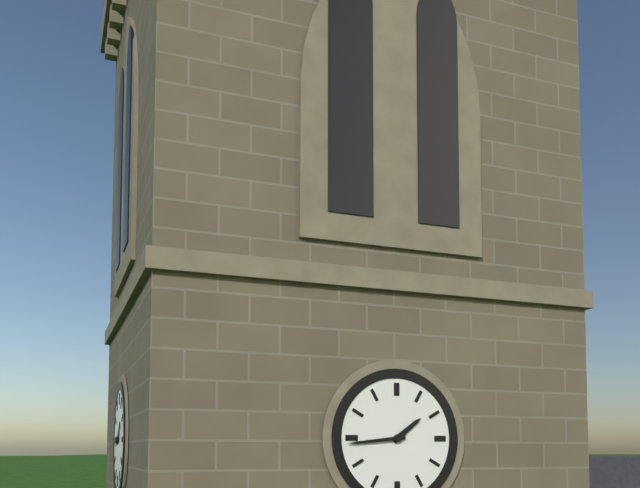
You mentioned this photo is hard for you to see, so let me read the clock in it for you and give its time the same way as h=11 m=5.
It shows h=1 m=44
